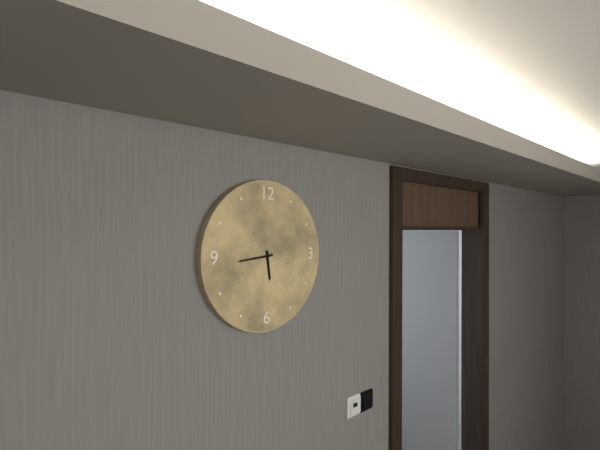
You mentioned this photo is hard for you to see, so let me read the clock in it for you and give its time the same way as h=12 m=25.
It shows h=5 m=44
